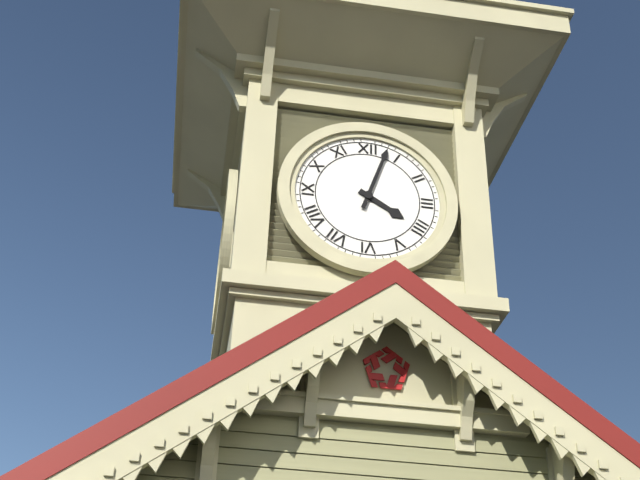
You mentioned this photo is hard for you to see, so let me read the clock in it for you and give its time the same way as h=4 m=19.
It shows h=4 m=3
